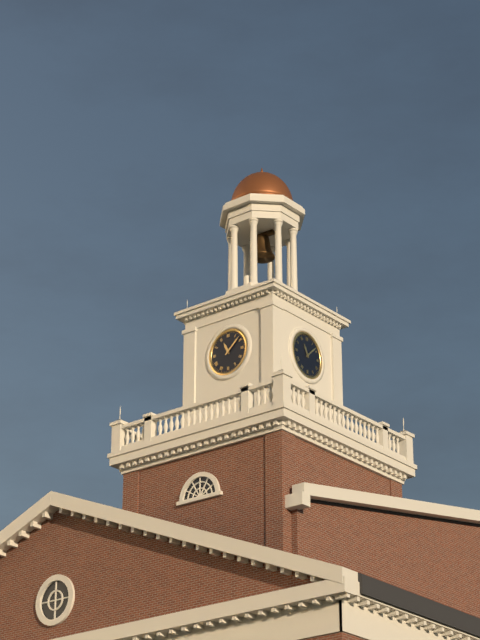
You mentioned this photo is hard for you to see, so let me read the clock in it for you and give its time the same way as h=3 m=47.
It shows h=11 m=8
